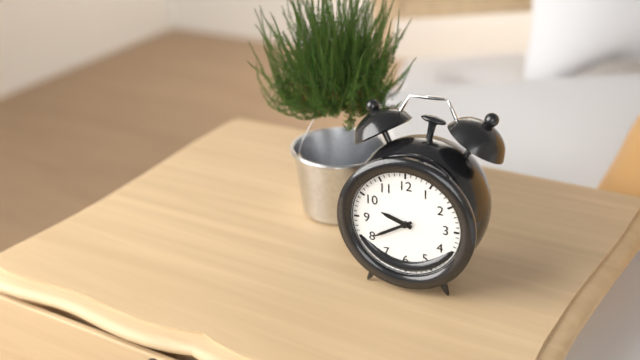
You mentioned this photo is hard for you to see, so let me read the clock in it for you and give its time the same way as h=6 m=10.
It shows h=9 m=40
